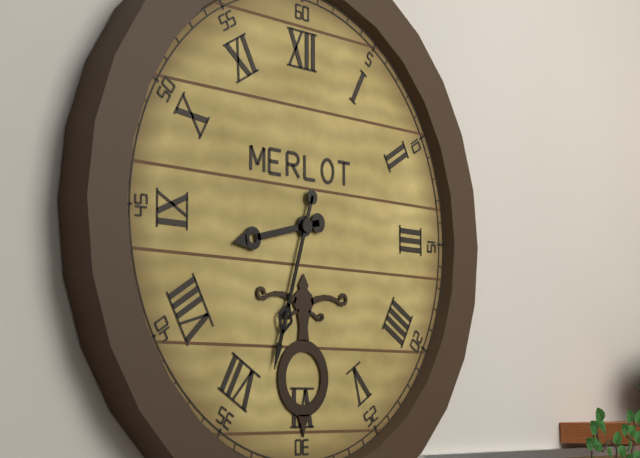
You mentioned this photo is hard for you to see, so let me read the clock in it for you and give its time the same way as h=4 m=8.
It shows h=8 m=33
